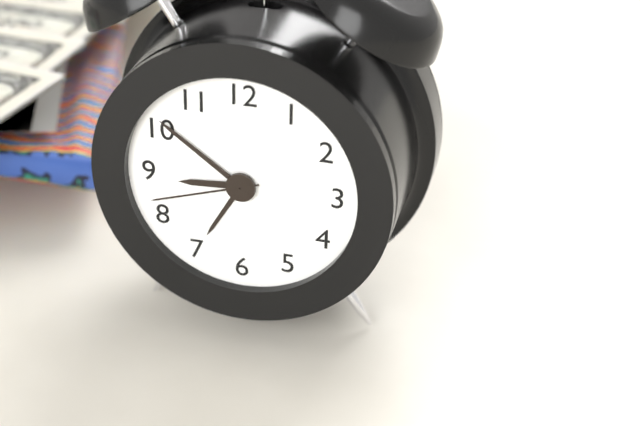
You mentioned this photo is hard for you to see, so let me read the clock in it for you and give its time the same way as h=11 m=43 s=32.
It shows h=8 m=51 s=42
